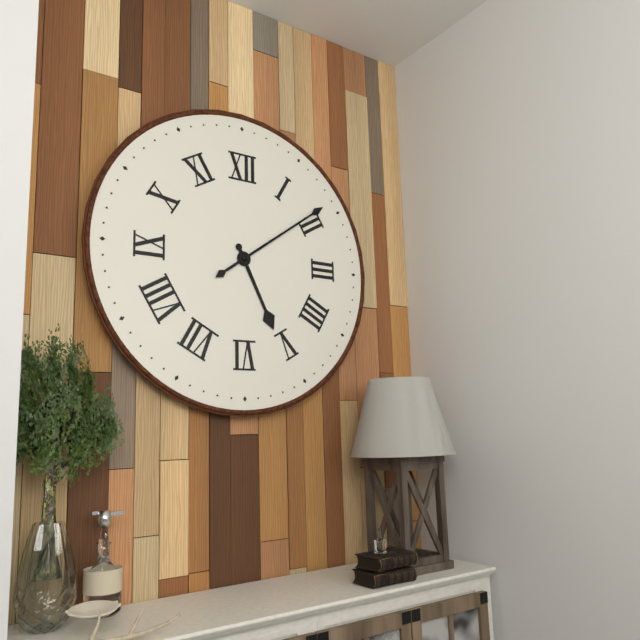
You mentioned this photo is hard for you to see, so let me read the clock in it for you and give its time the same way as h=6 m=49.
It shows h=5 m=9
